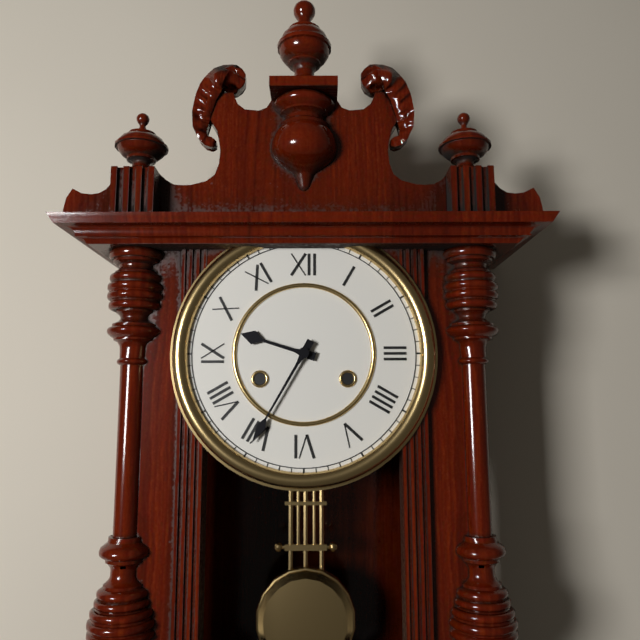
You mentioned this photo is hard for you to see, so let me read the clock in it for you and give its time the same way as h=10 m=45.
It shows h=9 m=35
